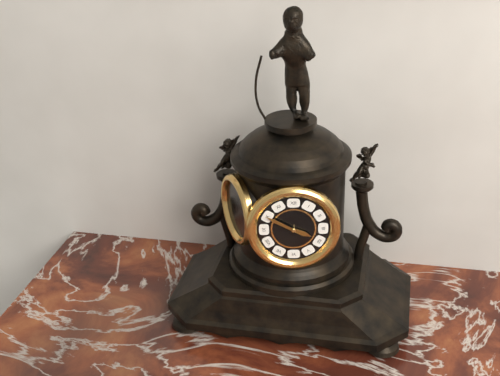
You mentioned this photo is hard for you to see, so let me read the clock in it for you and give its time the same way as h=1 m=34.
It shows h=3 m=50
